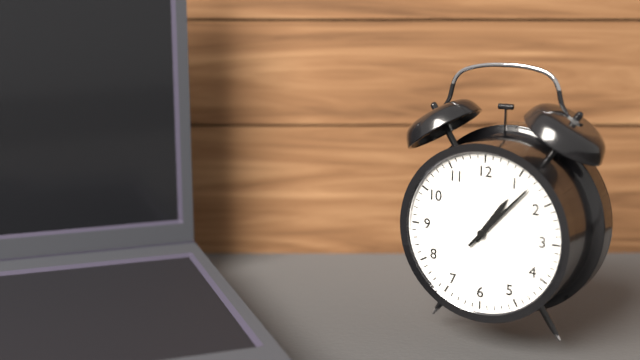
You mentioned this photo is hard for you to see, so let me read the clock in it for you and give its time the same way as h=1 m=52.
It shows h=1 m=7
